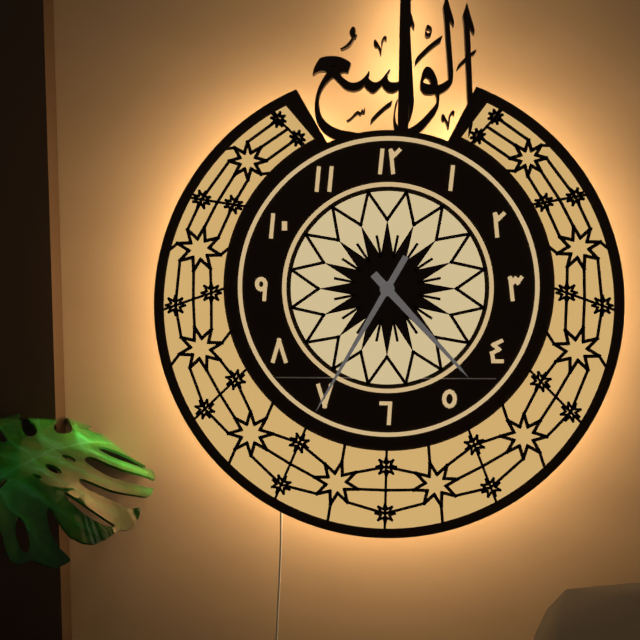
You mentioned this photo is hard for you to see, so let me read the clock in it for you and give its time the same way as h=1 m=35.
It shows h=4 m=35
